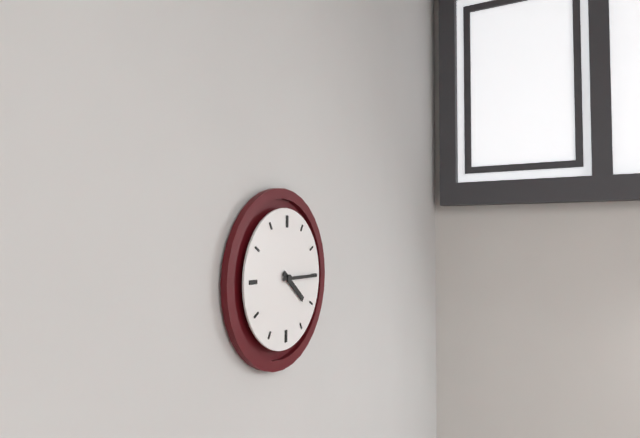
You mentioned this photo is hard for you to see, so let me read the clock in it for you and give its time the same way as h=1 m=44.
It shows h=4 m=15
